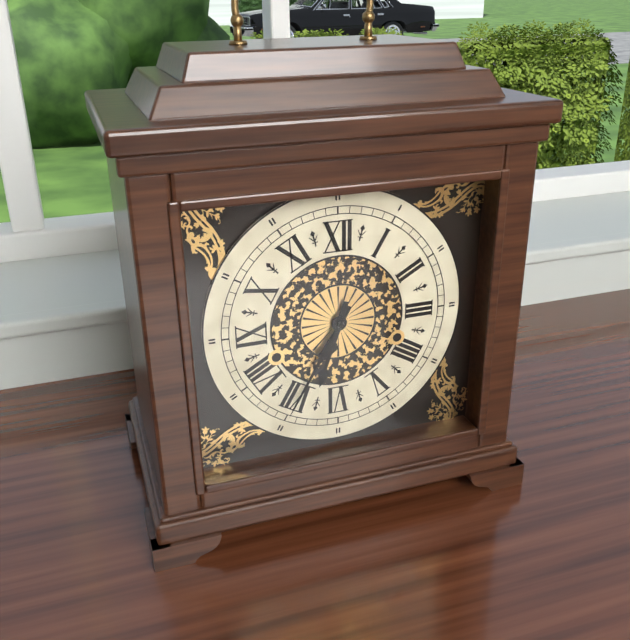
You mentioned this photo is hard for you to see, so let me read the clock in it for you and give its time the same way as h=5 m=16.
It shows h=6 m=35
